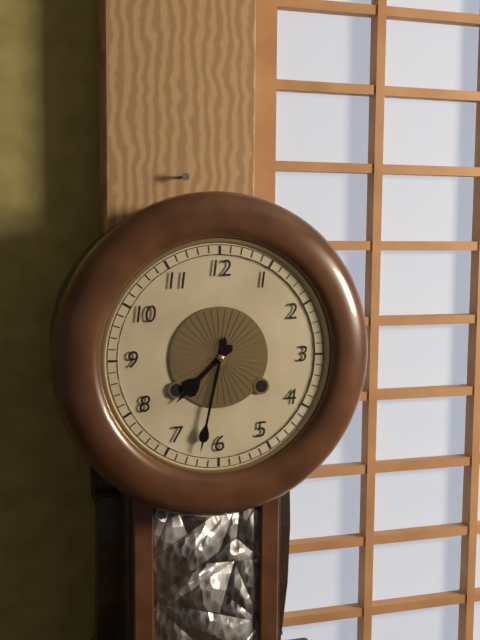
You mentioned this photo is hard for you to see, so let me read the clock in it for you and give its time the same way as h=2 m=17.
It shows h=7 m=32
